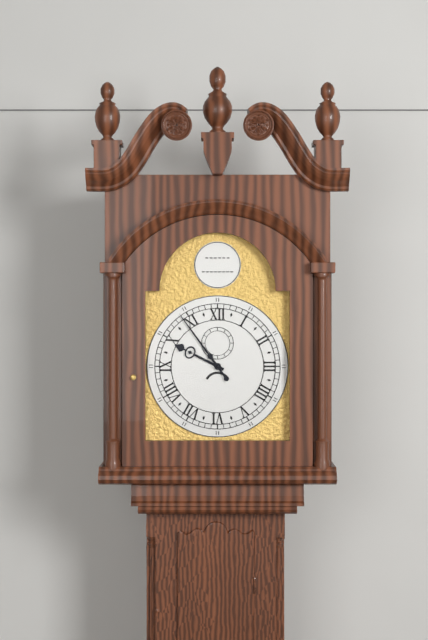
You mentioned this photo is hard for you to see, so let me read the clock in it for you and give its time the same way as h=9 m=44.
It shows h=9 m=54
